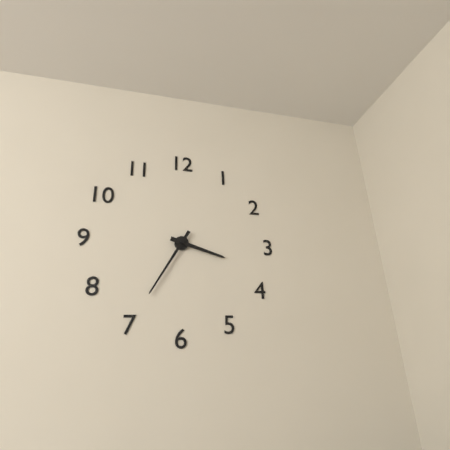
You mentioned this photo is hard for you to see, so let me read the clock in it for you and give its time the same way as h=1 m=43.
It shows h=3 m=35
